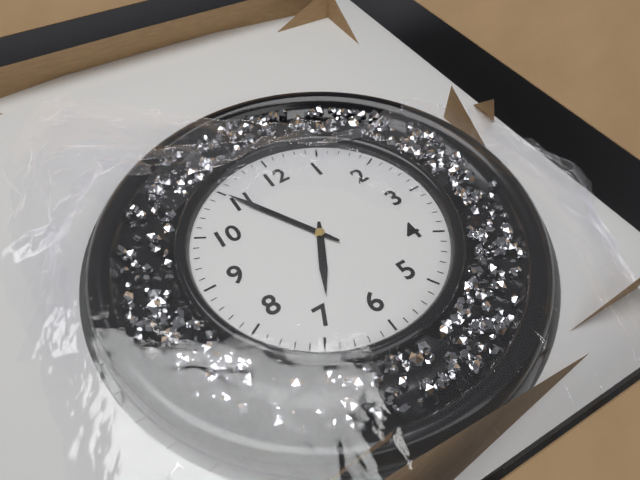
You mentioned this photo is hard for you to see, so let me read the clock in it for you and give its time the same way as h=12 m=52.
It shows h=6 m=55
